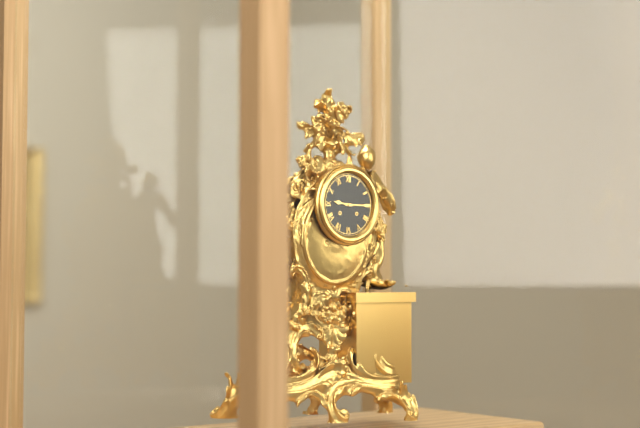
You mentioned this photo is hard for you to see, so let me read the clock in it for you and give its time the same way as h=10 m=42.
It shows h=9 m=15
